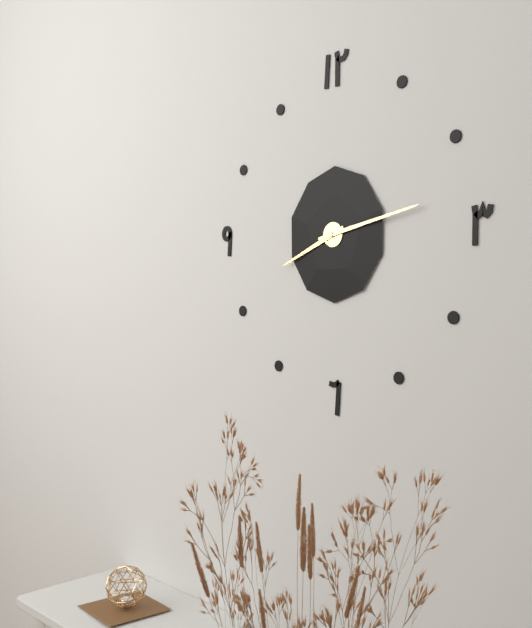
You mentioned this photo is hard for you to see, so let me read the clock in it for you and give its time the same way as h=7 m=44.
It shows h=8 m=13
